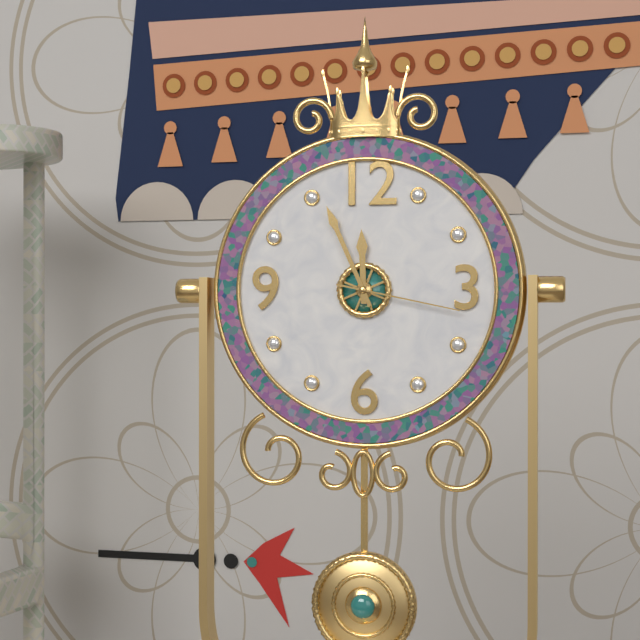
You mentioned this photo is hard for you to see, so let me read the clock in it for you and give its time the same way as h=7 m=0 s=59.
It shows h=11 m=56 s=17
